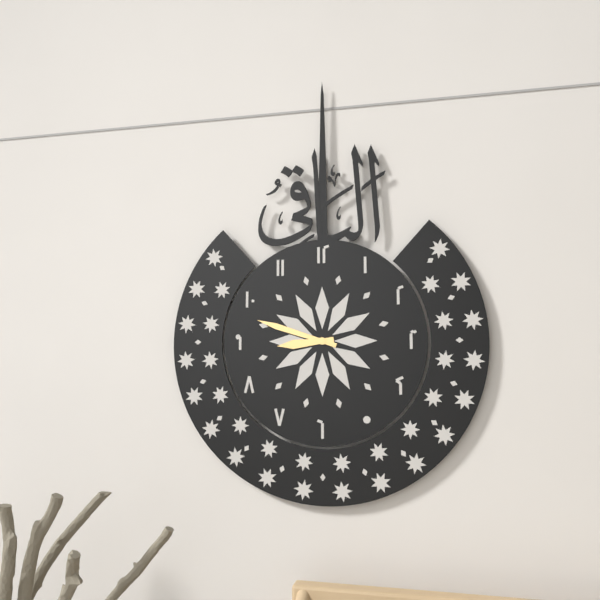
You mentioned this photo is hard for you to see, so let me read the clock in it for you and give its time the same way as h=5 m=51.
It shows h=8 m=48
